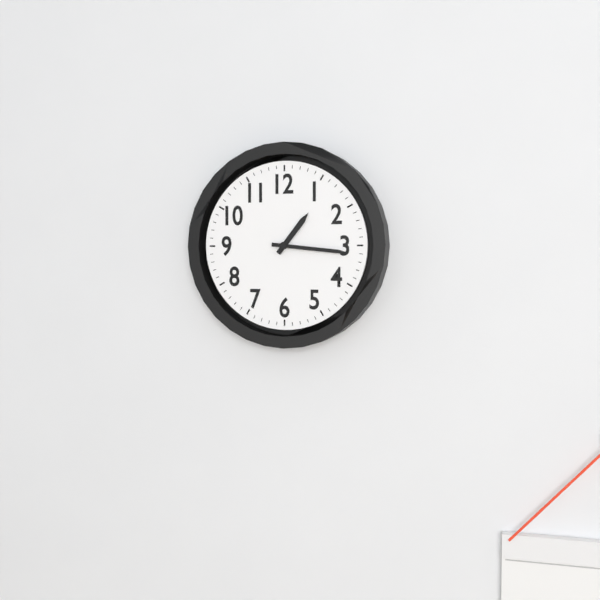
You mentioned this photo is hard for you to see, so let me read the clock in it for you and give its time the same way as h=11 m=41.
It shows h=1 m=16
